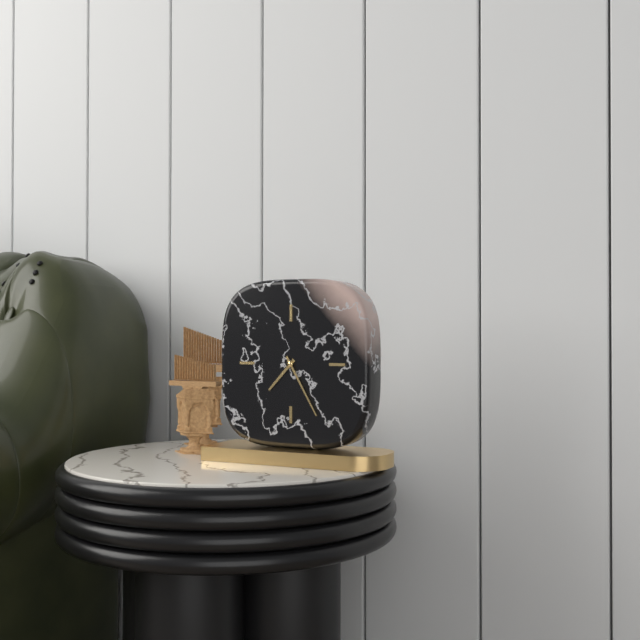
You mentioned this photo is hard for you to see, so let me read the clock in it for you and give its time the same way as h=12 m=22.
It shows h=7 m=25
